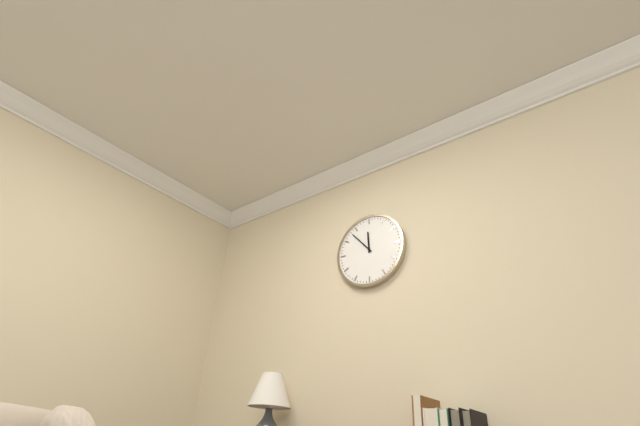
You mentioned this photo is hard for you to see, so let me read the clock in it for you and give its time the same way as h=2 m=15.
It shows h=11 m=53
